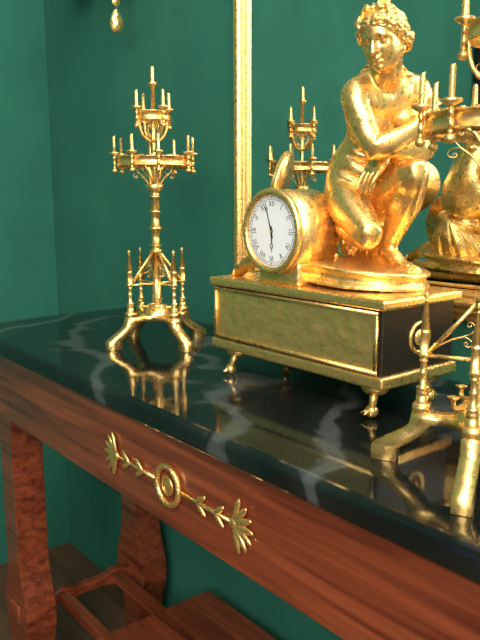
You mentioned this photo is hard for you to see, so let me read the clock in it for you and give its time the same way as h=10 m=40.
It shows h=5 m=57
